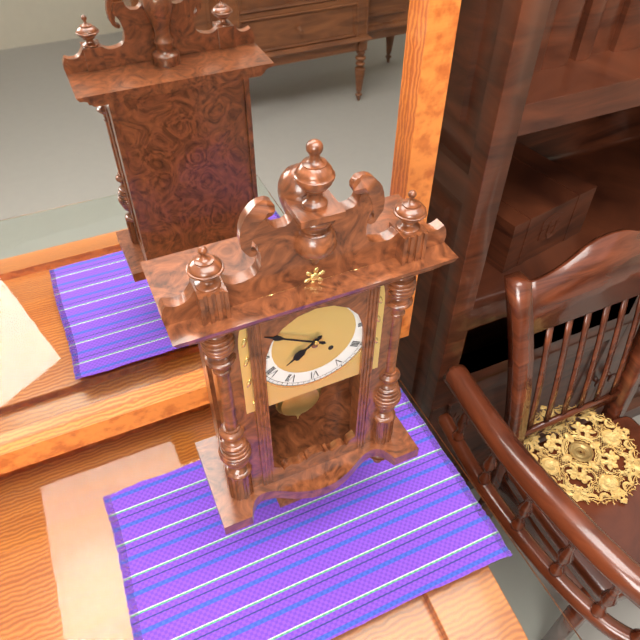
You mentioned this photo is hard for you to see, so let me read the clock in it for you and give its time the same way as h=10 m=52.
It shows h=7 m=50
